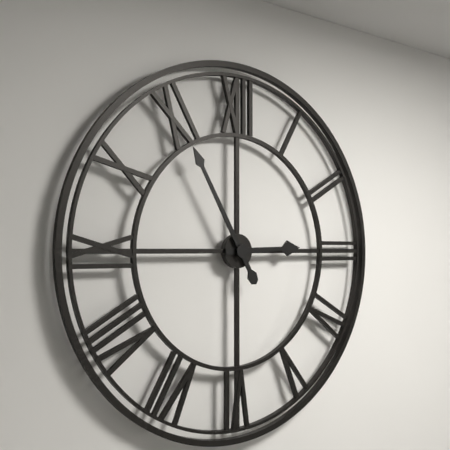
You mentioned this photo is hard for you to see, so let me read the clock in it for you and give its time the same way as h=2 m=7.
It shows h=2 m=55
